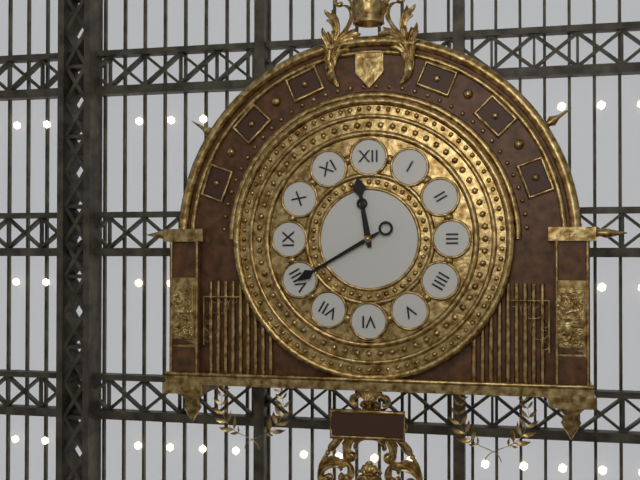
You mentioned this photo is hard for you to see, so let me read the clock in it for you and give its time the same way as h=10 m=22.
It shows h=11 m=40
